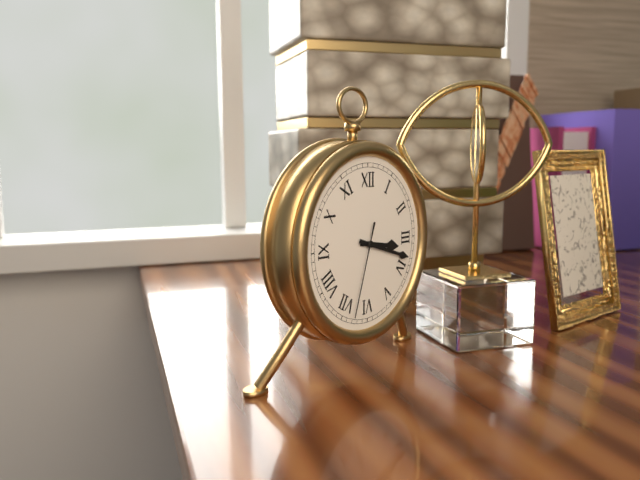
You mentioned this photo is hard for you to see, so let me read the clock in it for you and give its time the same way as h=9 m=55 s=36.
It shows h=3 m=18 s=33
